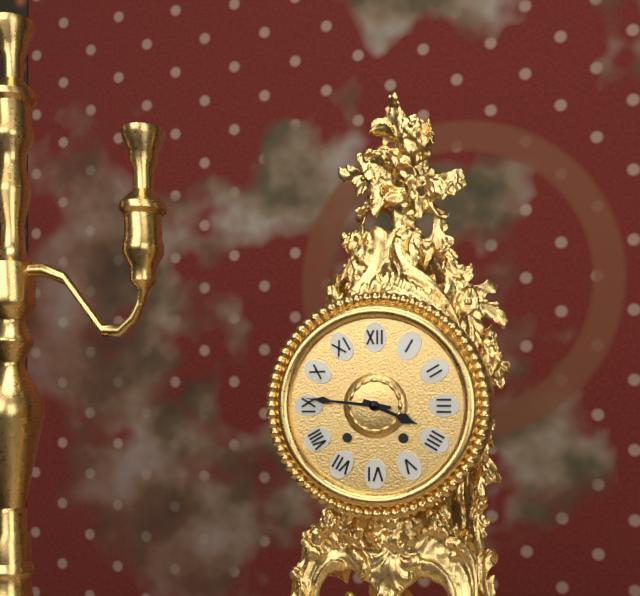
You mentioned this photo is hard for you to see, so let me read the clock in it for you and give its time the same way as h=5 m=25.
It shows h=3 m=46
